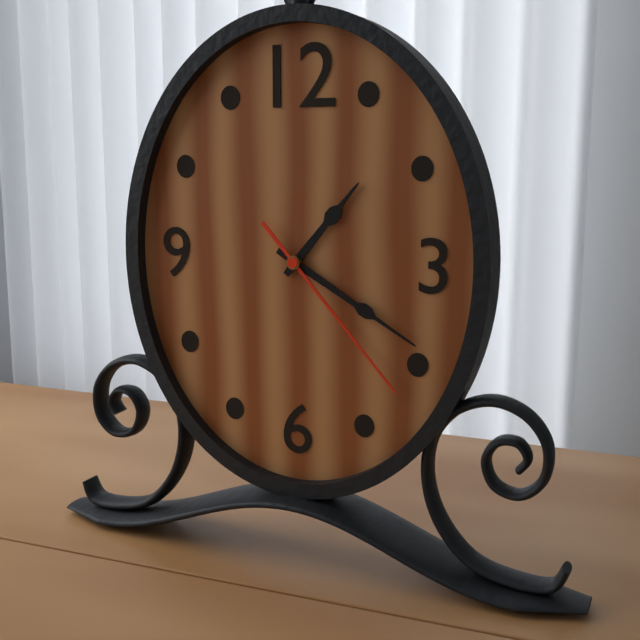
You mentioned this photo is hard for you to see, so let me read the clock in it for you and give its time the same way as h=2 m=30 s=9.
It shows h=1 m=20 s=23
